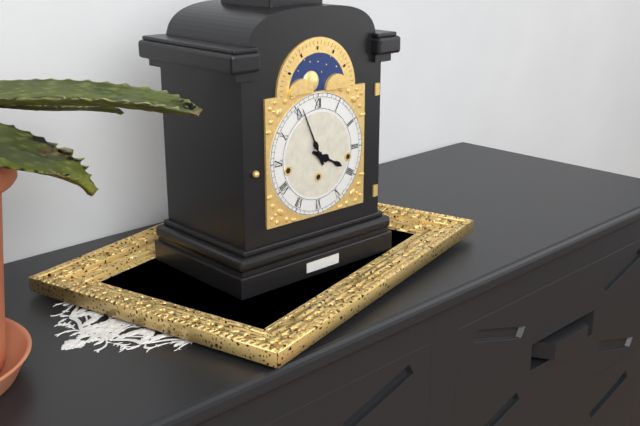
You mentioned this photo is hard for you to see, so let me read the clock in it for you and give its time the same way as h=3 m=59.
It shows h=3 m=56
